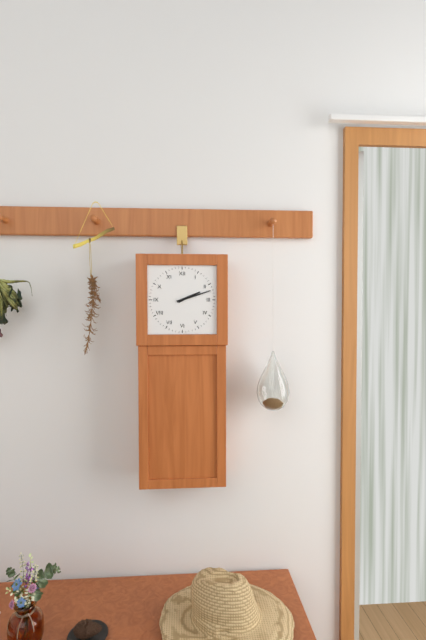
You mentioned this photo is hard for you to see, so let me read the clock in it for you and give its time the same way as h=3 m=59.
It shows h=2 m=12
